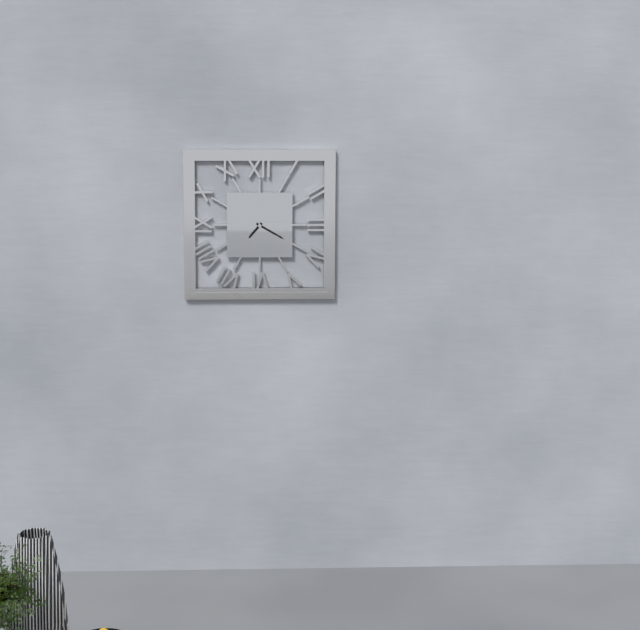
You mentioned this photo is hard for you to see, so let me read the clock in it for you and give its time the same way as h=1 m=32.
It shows h=7 m=20
